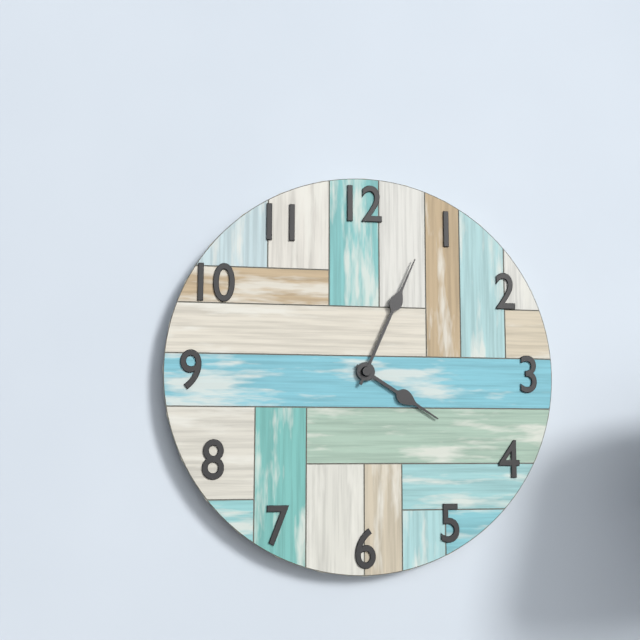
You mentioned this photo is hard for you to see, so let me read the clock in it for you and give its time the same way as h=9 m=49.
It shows h=4 m=4
